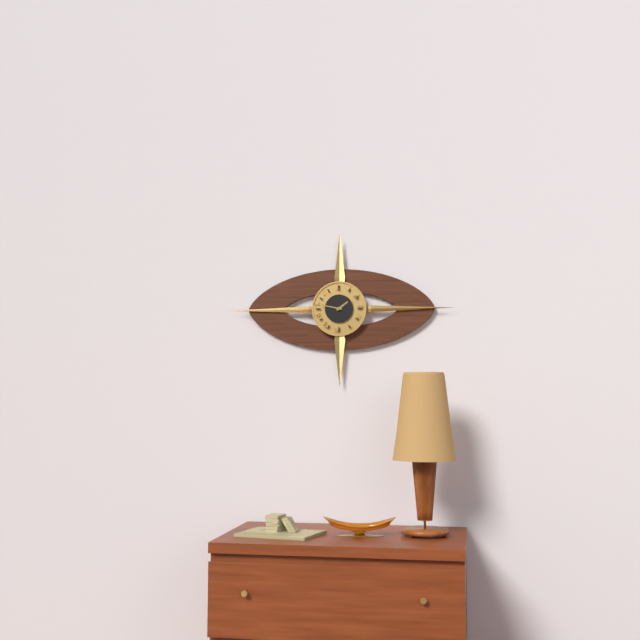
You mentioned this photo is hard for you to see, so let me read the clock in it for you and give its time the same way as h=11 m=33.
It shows h=1 m=47
